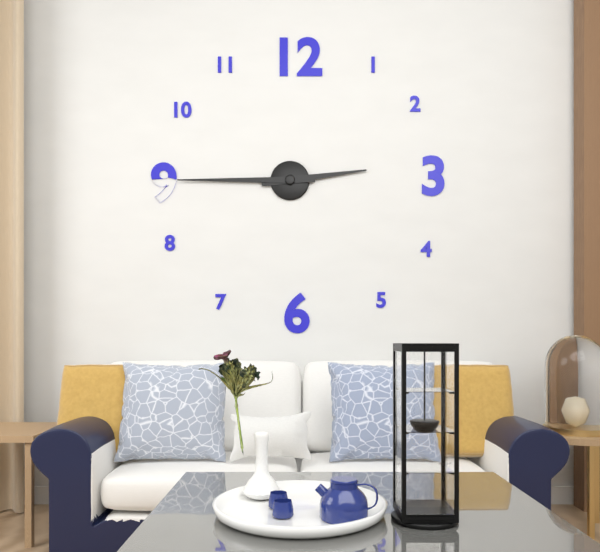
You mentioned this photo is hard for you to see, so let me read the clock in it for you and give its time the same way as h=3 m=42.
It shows h=2 m=45
